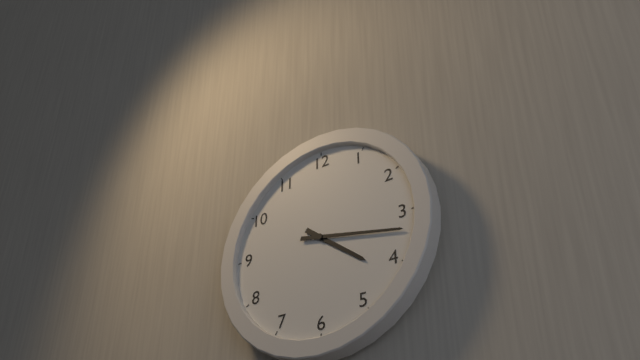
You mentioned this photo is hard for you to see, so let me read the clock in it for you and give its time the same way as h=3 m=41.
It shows h=4 m=17
